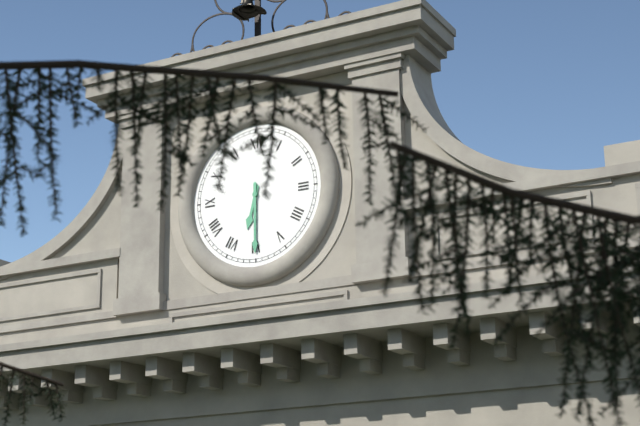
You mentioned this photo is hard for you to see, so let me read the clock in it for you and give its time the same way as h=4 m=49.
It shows h=6 m=30
